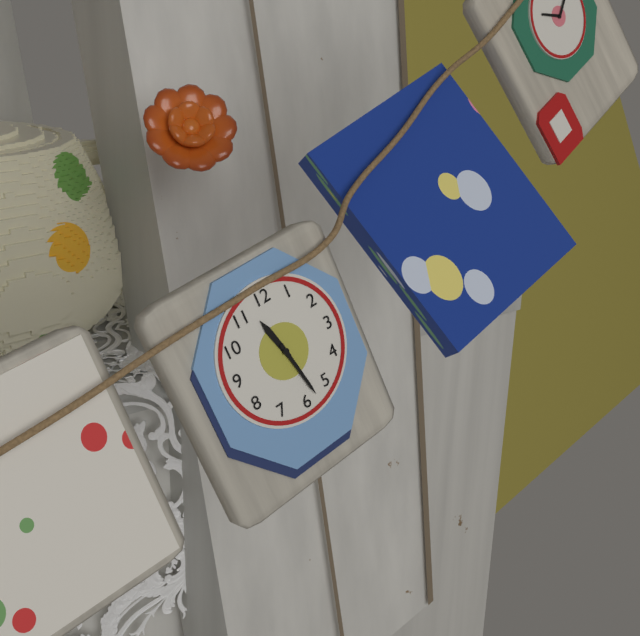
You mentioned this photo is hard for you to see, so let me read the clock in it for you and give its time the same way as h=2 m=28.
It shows h=11 m=28
